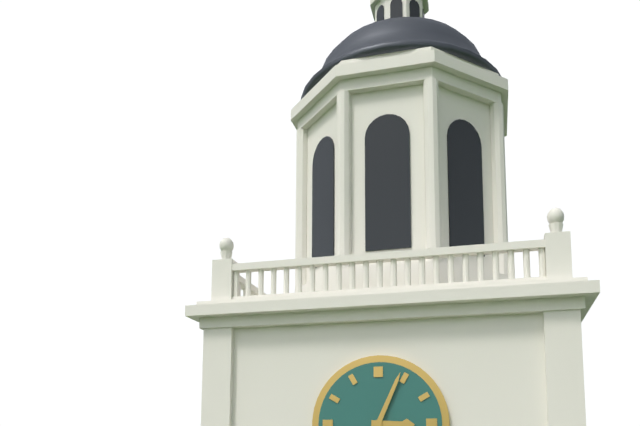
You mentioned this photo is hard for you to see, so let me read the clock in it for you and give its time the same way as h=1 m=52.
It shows h=3 m=4
